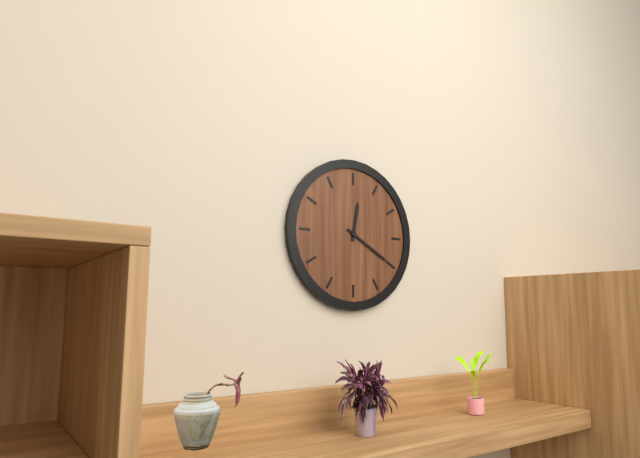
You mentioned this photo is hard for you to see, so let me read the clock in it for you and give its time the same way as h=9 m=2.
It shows h=12 m=20
